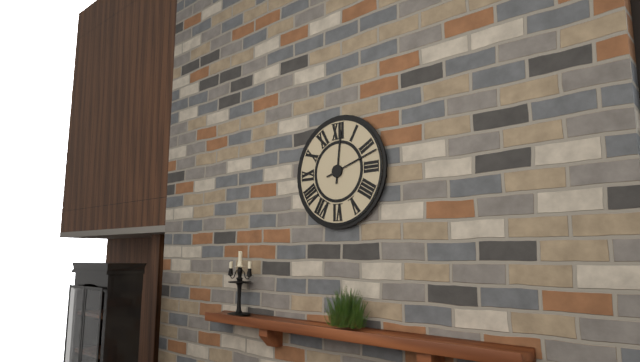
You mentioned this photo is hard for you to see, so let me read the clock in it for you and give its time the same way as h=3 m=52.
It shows h=12 m=12
